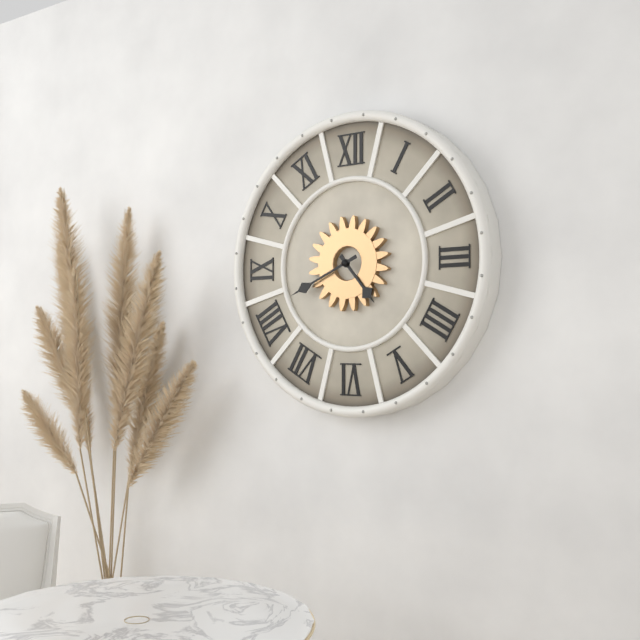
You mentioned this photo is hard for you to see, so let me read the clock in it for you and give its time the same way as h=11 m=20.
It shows h=4 m=41
